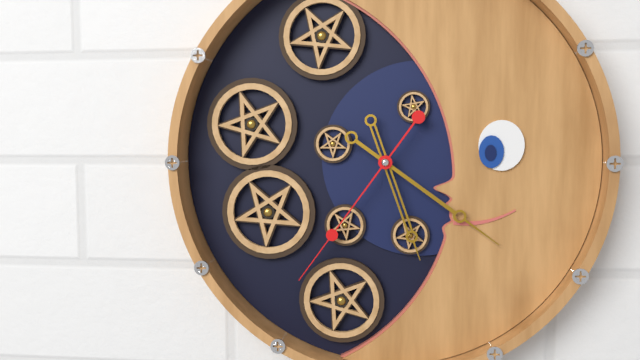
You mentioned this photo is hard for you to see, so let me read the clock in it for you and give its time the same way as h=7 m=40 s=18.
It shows h=5 m=21 s=36
